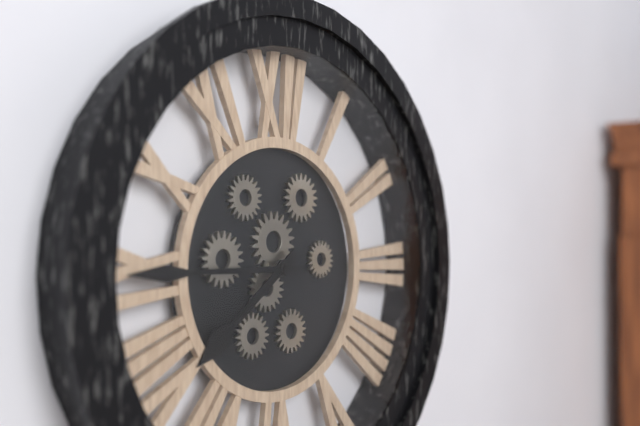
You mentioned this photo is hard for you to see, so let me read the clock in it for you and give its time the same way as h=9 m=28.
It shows h=7 m=45
